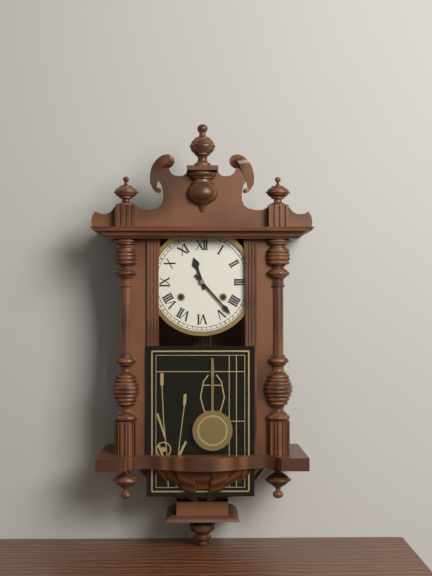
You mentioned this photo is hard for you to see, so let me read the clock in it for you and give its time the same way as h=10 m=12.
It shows h=11 m=23
